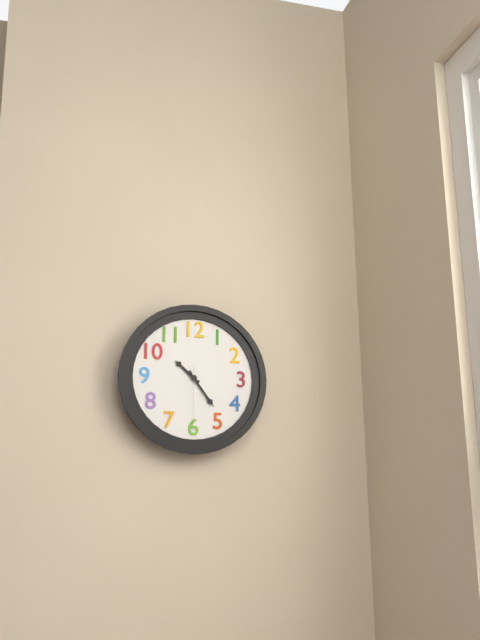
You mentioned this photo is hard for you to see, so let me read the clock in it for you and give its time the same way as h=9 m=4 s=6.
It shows h=10 m=24 s=30
